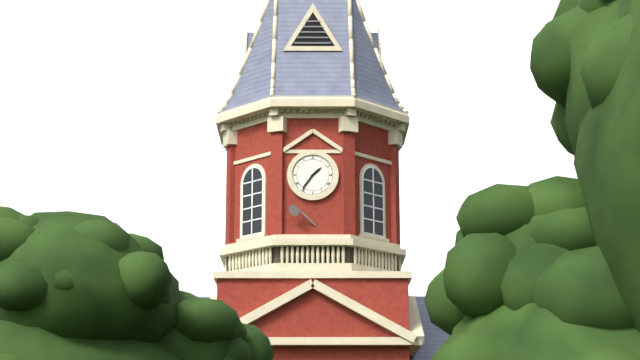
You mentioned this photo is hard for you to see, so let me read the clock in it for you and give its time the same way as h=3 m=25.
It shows h=1 m=36
